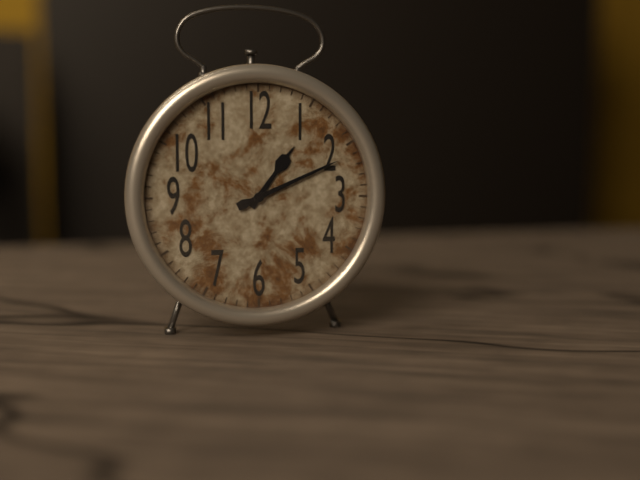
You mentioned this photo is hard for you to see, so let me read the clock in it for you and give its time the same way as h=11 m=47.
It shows h=1 m=11
